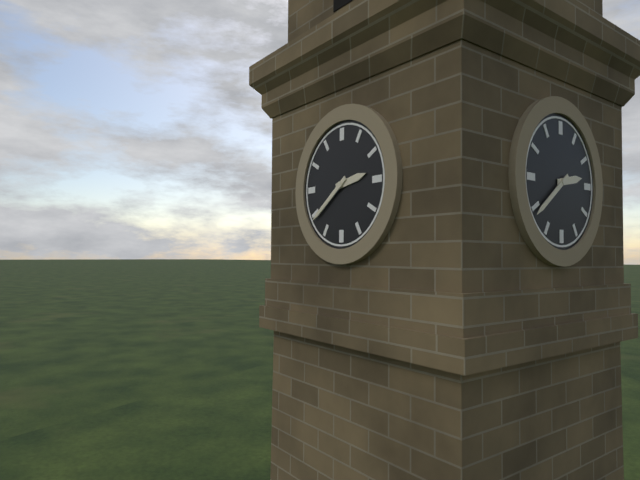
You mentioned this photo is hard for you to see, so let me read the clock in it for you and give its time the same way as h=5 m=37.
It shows h=2 m=39
